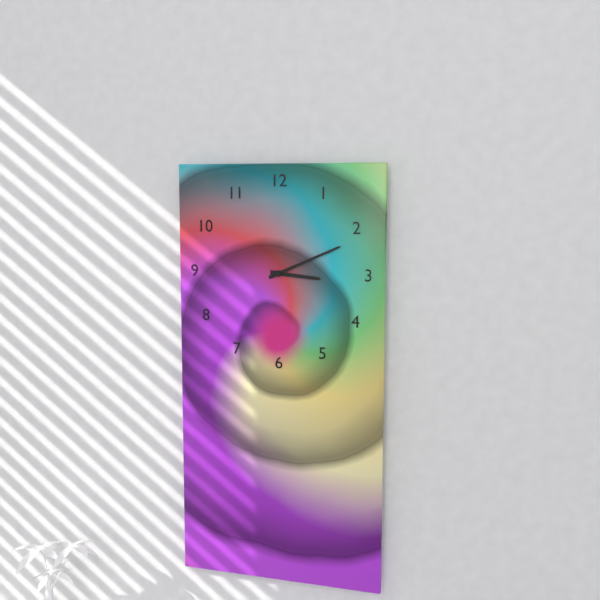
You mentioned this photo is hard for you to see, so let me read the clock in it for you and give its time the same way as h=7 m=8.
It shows h=3 m=11
